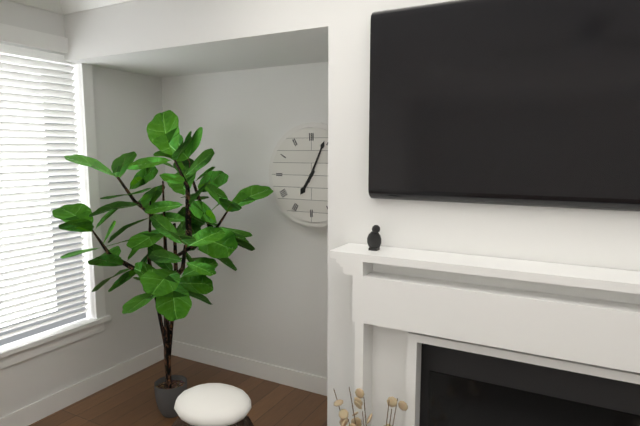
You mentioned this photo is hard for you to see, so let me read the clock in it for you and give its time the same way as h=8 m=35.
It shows h=7 m=4
